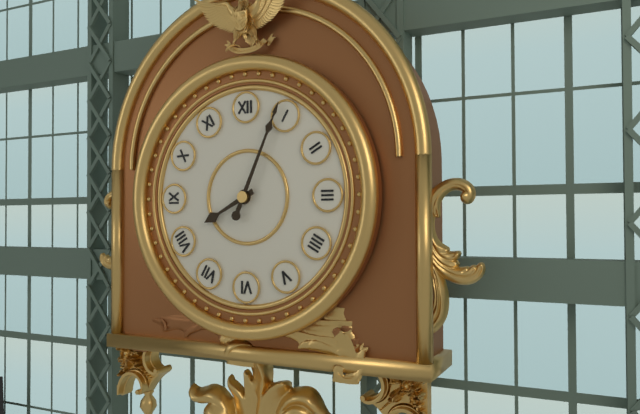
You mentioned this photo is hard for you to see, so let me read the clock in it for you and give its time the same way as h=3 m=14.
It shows h=8 m=4
